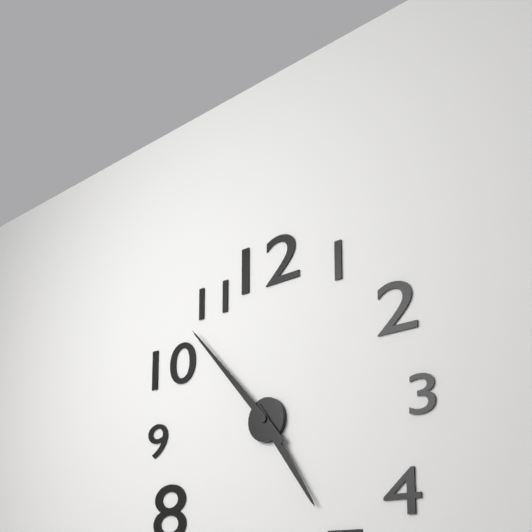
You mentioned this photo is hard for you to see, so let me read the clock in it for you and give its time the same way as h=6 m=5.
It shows h=4 m=53
